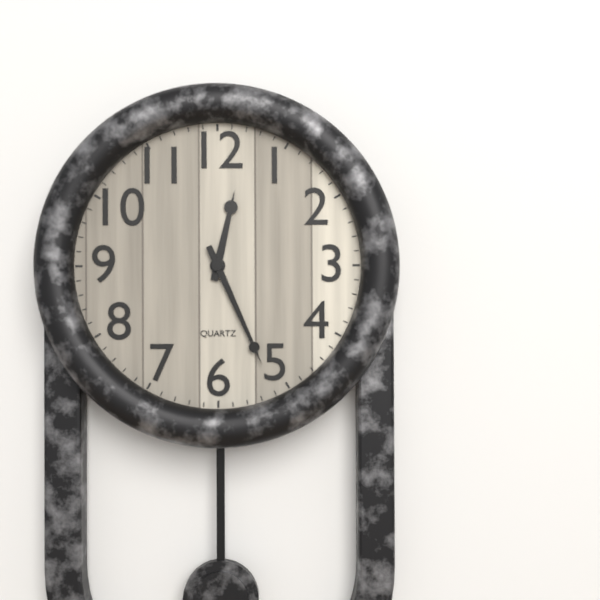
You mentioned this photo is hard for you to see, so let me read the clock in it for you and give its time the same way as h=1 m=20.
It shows h=12 m=26
